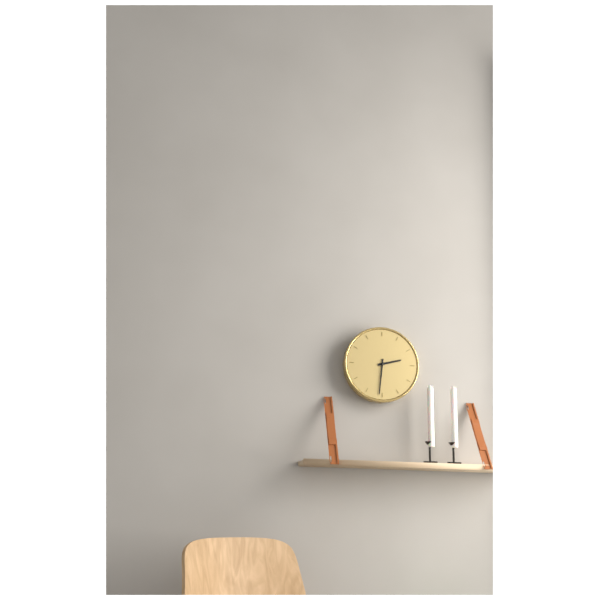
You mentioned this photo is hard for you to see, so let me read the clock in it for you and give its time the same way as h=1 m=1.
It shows h=2 m=31
